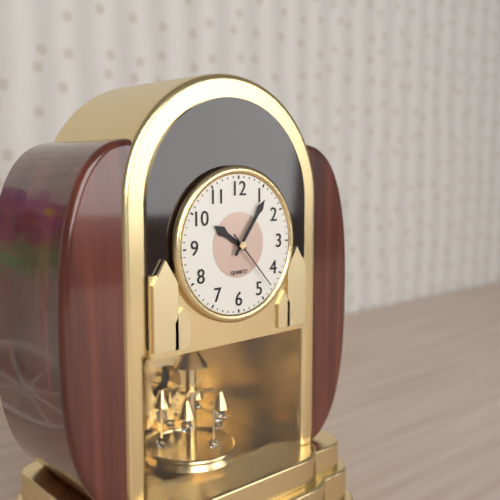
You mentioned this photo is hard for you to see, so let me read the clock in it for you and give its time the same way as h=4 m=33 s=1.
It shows h=10 m=6 s=23
